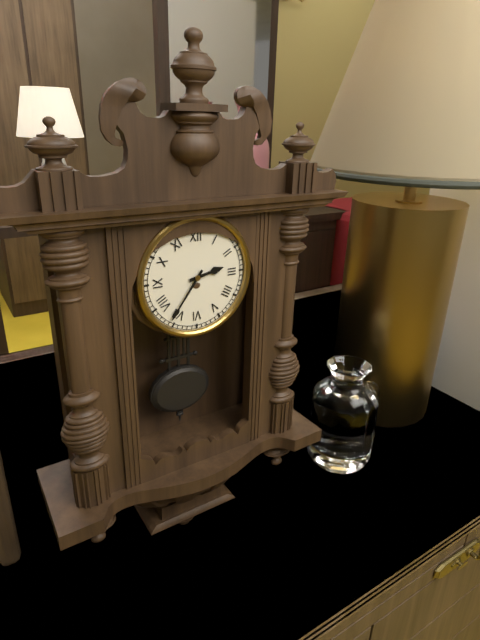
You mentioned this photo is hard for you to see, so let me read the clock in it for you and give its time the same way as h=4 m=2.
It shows h=2 m=36
